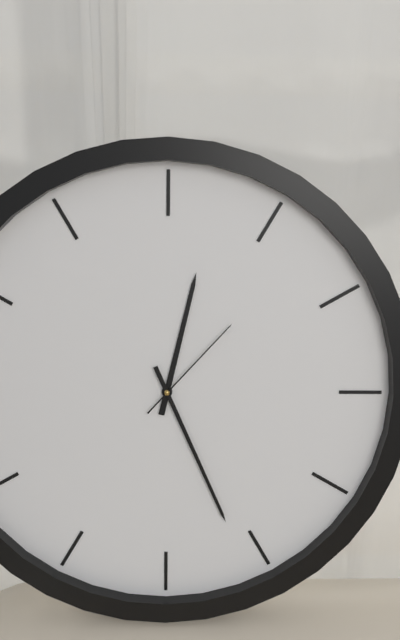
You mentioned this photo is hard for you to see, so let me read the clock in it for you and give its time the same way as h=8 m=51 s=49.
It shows h=12 m=26 s=7
